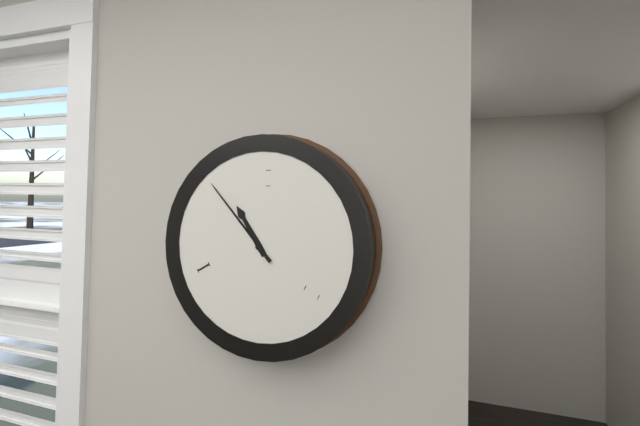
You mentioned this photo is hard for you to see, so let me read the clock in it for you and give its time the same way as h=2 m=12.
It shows h=10 m=53
